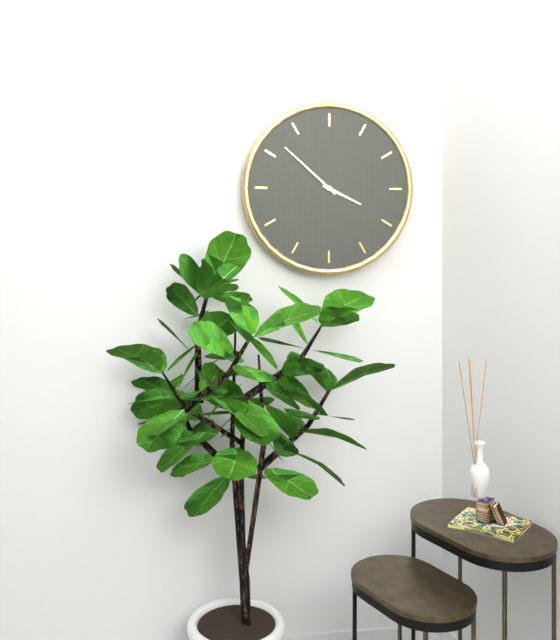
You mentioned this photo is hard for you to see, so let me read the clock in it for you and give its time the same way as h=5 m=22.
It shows h=3 m=52
